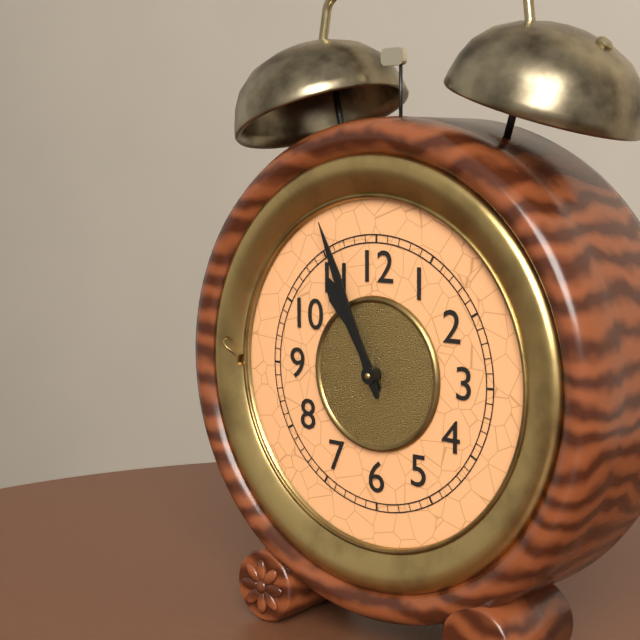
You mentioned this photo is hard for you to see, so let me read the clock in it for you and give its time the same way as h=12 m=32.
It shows h=10 m=56
